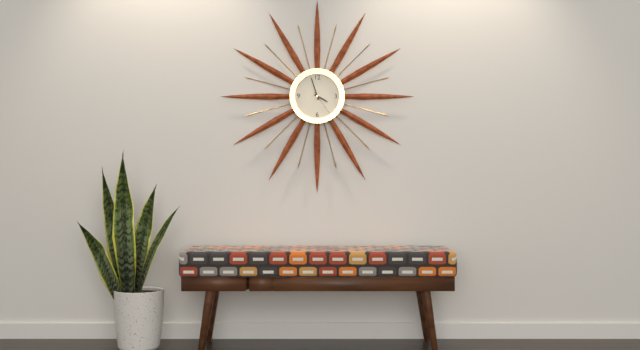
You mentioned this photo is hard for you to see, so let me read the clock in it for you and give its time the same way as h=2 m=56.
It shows h=3 m=57
